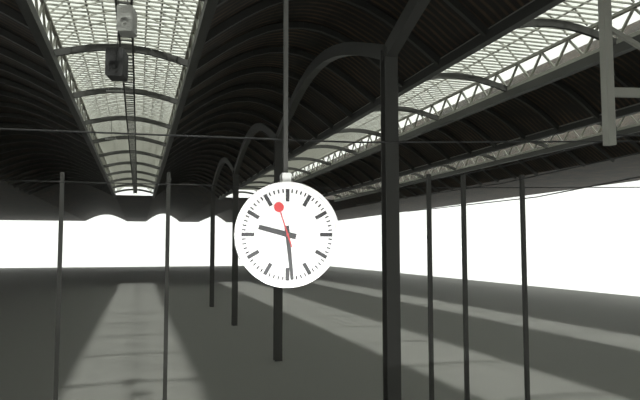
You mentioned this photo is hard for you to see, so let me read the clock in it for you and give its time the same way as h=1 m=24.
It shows h=9 m=29
